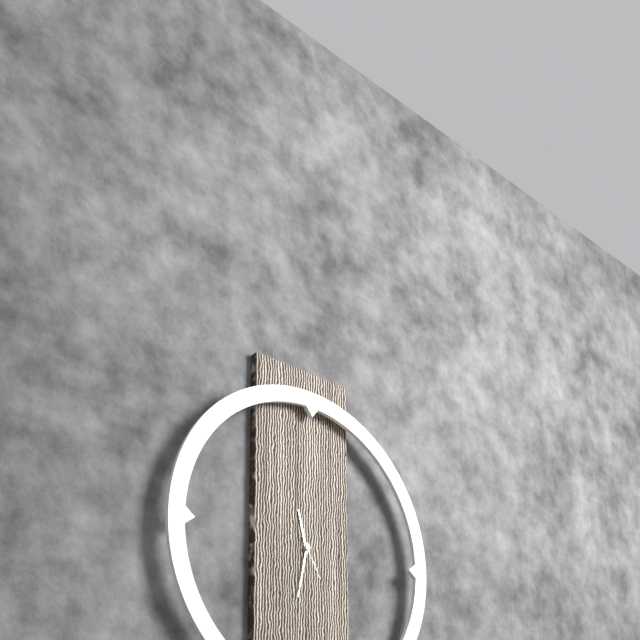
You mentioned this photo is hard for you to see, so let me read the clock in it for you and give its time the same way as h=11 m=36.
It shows h=11 m=32
